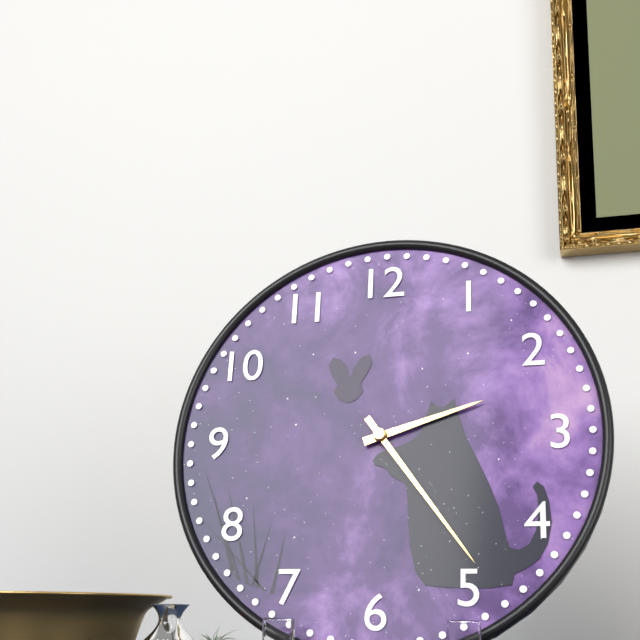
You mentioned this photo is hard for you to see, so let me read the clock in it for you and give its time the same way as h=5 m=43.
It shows h=2 m=24
